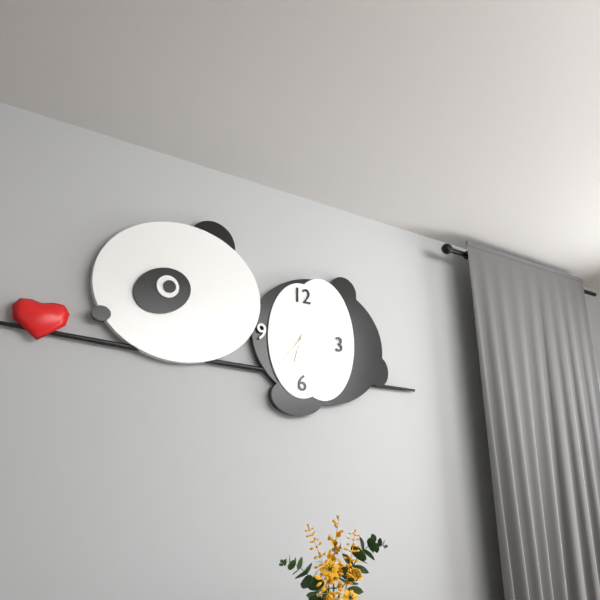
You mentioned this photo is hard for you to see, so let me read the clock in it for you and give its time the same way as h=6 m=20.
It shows h=6 m=37
